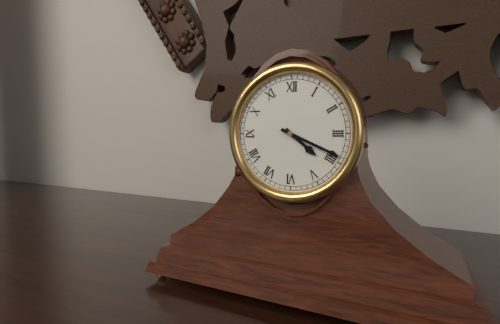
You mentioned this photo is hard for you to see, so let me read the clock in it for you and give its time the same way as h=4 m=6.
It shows h=4 m=19
